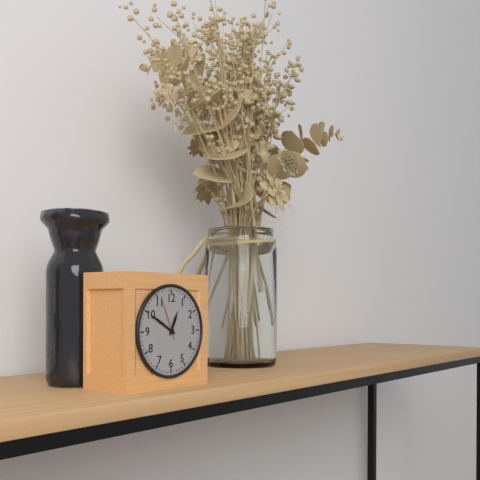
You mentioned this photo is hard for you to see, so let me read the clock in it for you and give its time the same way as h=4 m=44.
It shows h=12 m=50
